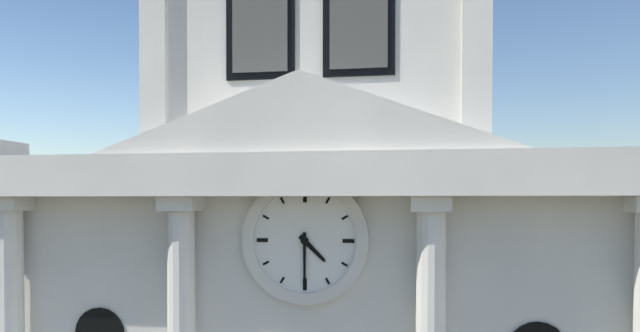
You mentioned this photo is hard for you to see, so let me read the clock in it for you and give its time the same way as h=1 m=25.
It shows h=4 m=30
